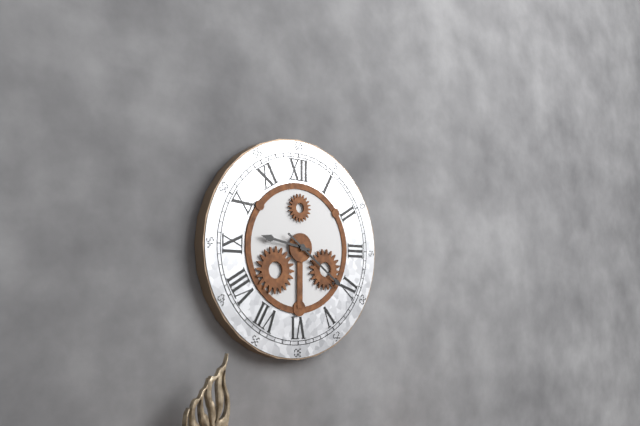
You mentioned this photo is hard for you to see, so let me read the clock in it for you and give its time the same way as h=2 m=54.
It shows h=9 m=21
